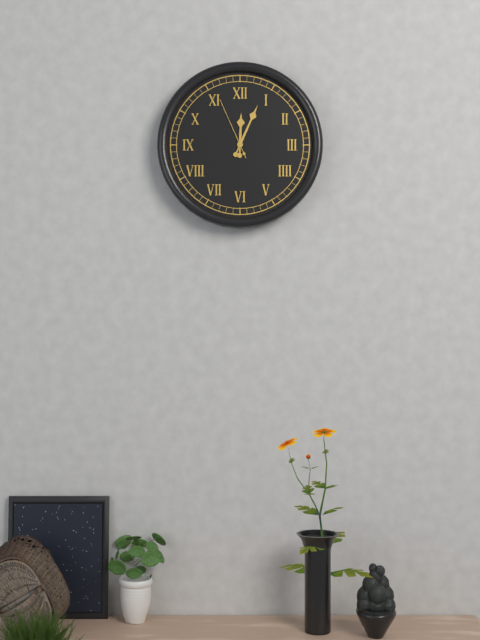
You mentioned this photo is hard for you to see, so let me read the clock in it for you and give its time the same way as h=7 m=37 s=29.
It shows h=12 m=4 s=56
